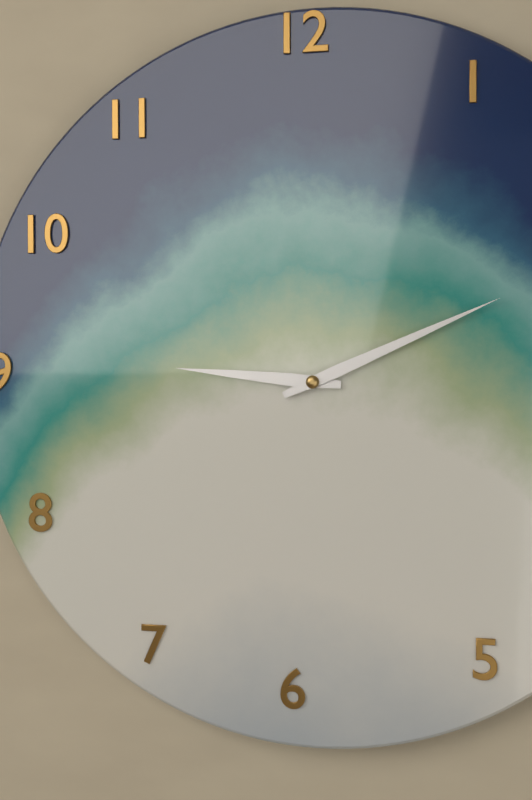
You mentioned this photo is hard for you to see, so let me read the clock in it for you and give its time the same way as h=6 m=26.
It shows h=9 m=11
